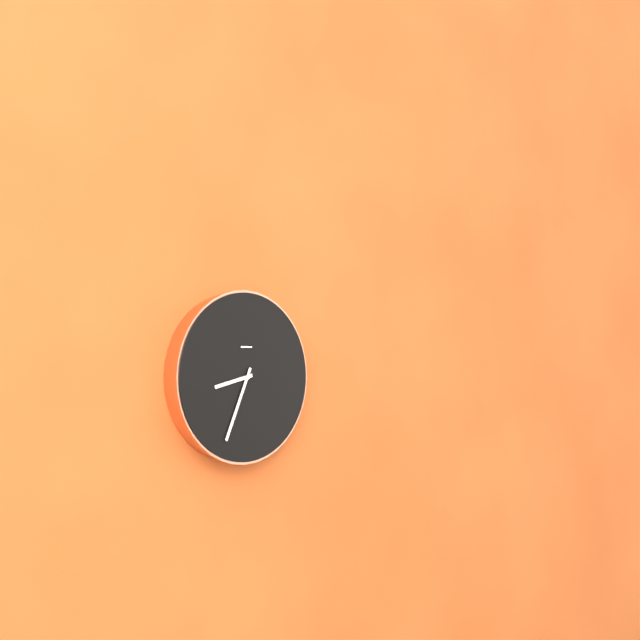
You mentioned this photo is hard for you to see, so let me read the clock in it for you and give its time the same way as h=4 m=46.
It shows h=8 m=34
